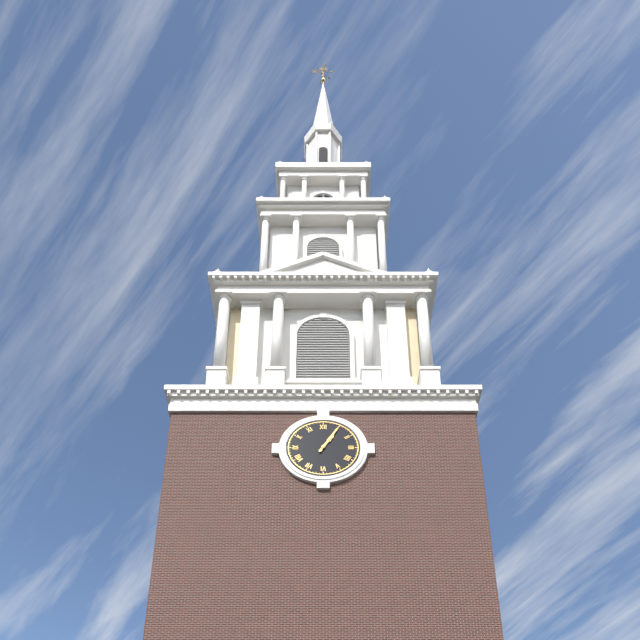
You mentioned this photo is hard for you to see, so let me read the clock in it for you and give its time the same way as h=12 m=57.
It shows h=1 m=5
